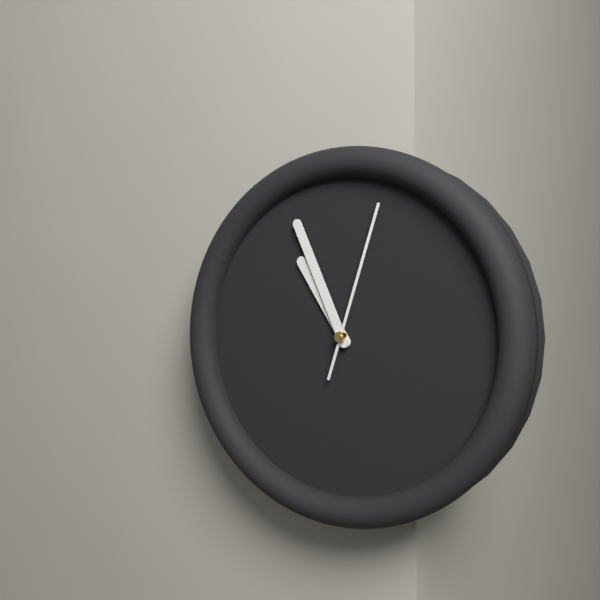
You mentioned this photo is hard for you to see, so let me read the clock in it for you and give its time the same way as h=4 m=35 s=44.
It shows h=10 m=56 s=3
